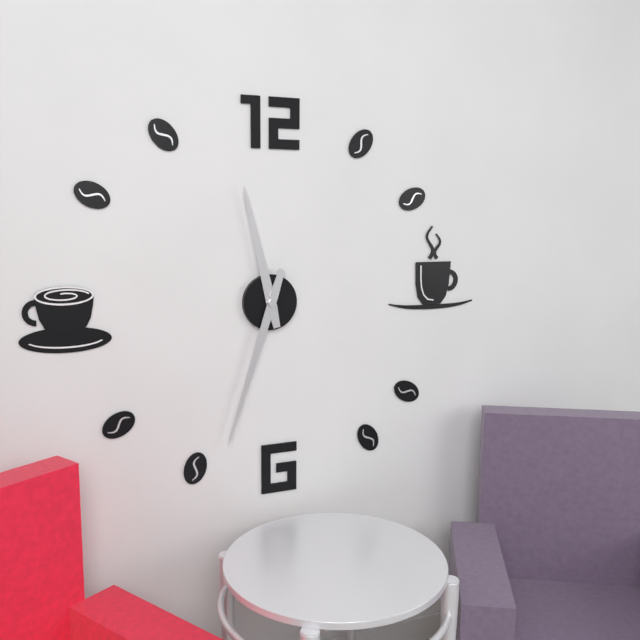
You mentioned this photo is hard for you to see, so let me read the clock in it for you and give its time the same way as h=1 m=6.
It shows h=11 m=33
